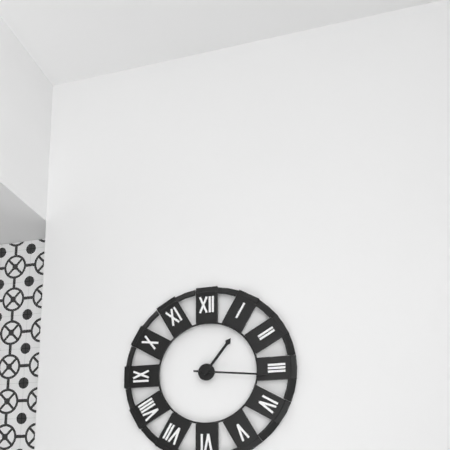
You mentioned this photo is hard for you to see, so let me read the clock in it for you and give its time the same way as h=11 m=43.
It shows h=1 m=16
